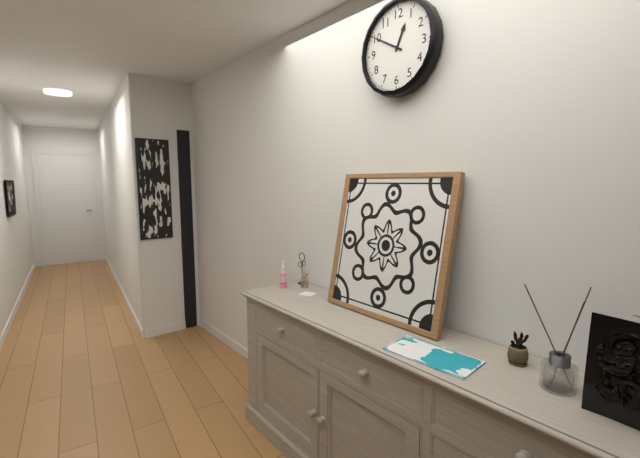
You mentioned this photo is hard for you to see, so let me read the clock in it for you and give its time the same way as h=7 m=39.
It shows h=12 m=50
